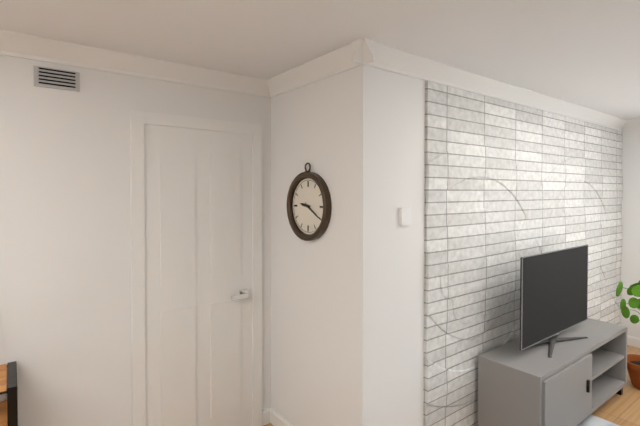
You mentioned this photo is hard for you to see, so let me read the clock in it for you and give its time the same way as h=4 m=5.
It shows h=9 m=20
